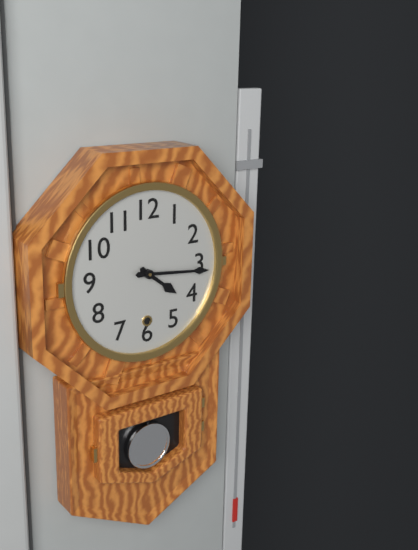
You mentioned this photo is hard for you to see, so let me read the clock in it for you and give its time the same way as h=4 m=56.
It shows h=4 m=16
